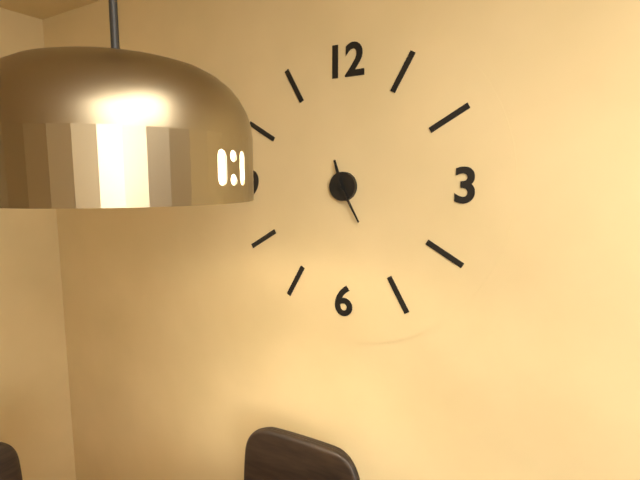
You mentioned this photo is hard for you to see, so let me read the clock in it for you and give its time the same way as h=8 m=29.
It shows h=11 m=25
